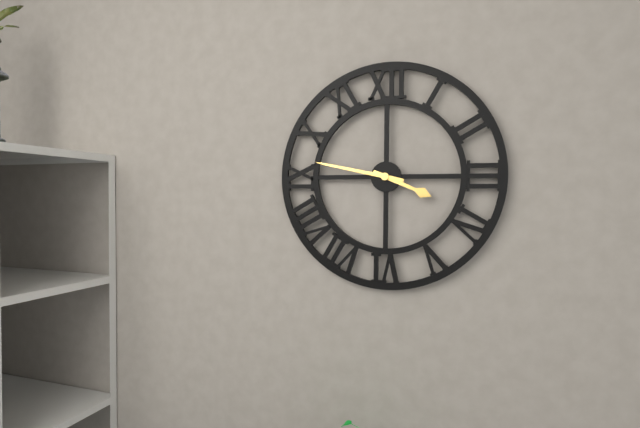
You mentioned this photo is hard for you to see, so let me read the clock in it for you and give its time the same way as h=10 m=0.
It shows h=3 m=47
